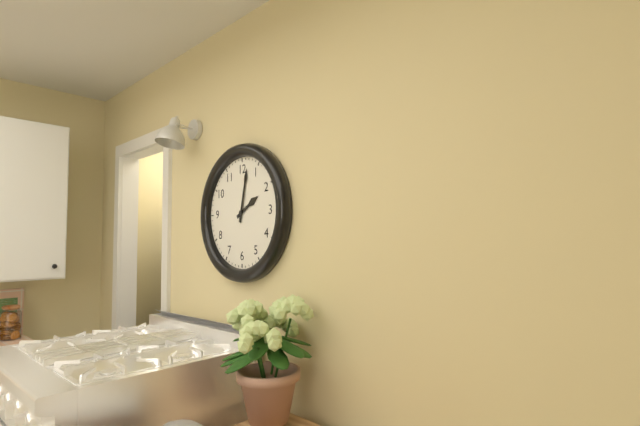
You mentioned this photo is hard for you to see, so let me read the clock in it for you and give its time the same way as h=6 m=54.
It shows h=2 m=2
